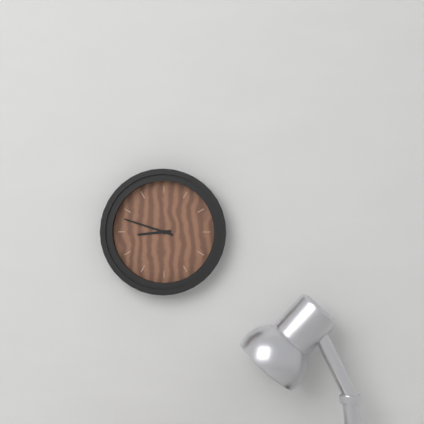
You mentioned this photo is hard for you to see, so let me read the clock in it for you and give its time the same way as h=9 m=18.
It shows h=8 m=48
